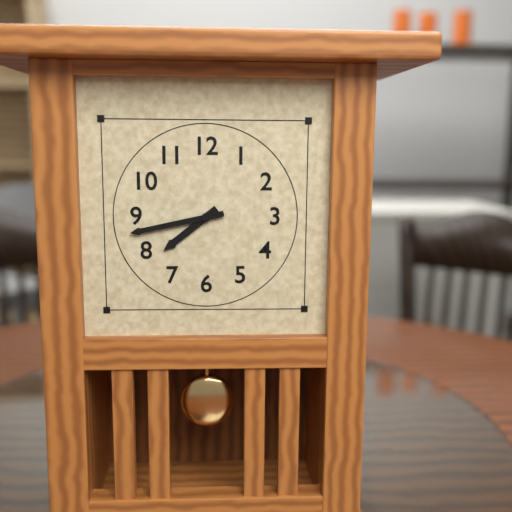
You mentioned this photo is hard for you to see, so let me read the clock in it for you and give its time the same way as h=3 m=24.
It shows h=7 m=43
